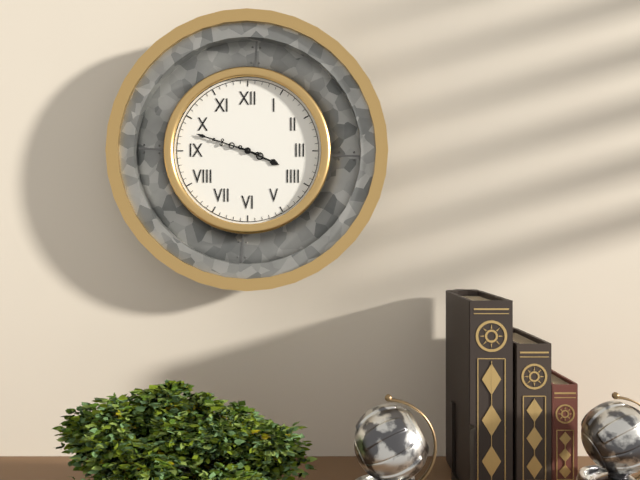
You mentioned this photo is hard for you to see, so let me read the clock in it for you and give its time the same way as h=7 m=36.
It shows h=3 m=48
